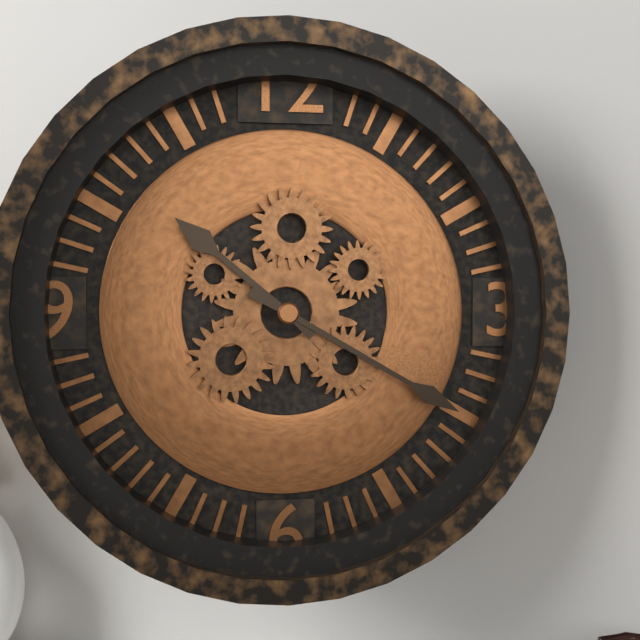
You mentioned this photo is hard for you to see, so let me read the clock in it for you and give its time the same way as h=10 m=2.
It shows h=10 m=20
